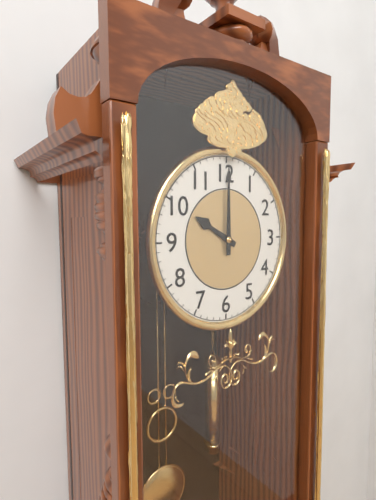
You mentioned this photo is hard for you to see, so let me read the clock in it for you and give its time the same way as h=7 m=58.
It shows h=10 m=0
